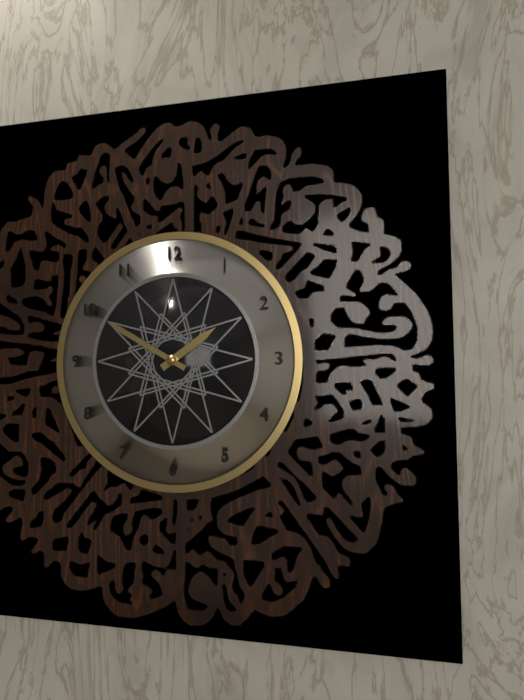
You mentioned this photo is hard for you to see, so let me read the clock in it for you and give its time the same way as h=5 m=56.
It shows h=1 m=50
